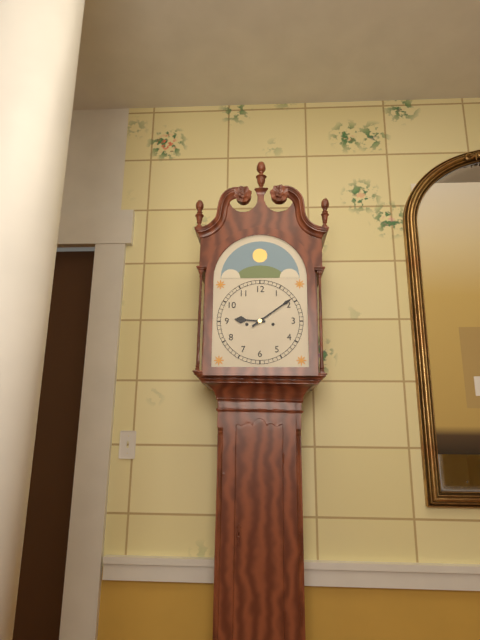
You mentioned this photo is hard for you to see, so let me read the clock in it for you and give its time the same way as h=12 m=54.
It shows h=9 m=9
